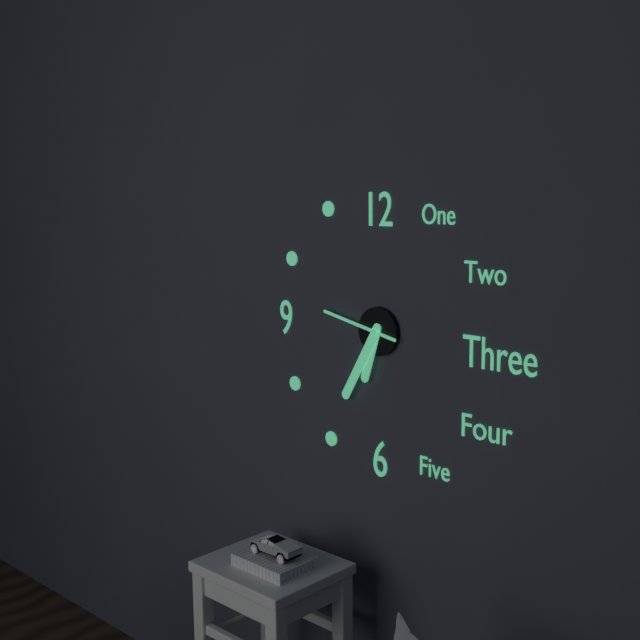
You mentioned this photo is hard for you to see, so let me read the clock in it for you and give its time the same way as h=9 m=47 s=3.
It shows h=6 m=35 s=47
